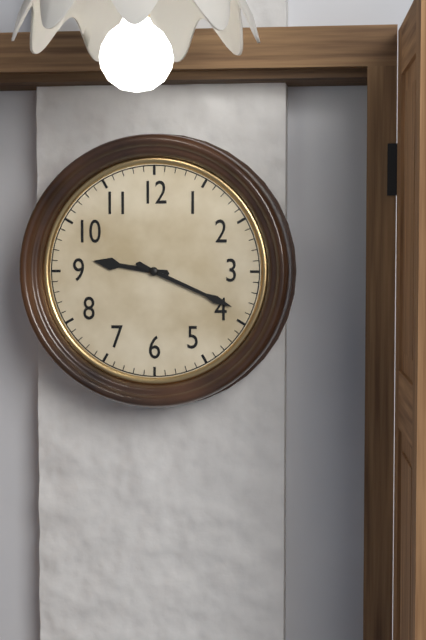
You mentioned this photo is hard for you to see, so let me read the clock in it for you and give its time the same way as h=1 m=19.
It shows h=9 m=19
